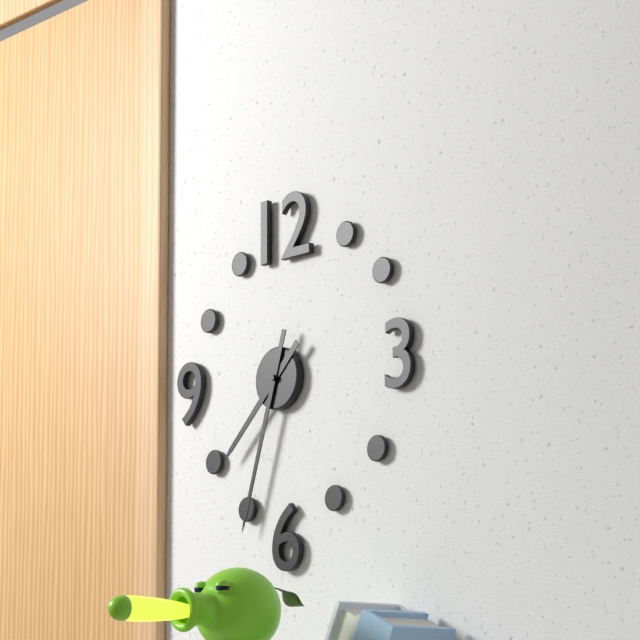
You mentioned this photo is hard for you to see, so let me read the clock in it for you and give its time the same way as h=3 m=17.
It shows h=7 m=33
